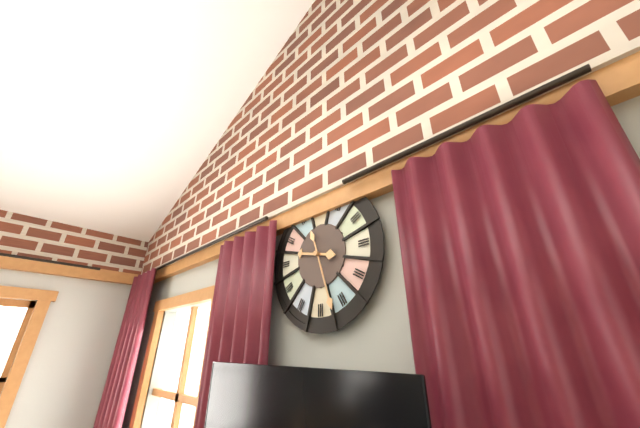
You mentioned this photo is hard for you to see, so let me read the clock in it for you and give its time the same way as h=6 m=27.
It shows h=9 m=27
